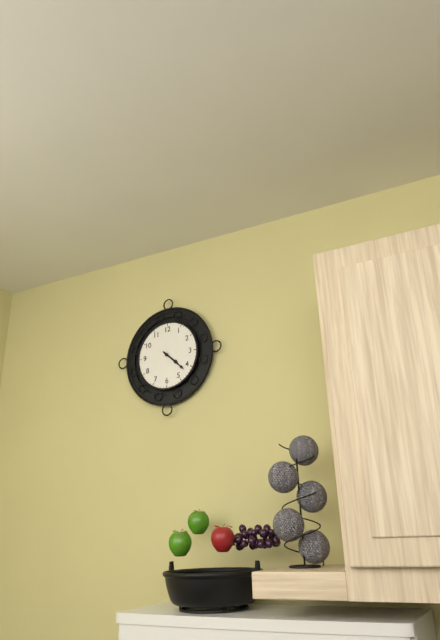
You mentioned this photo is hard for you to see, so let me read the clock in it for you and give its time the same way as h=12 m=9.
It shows h=4 m=22
